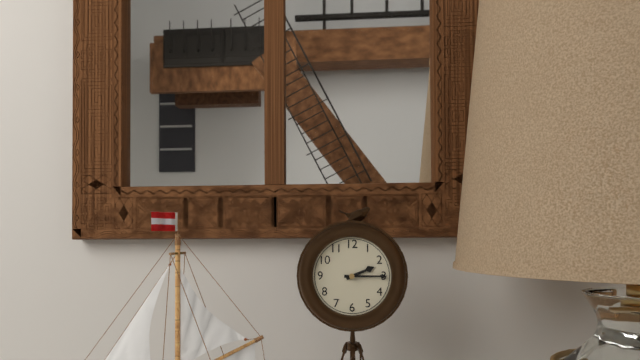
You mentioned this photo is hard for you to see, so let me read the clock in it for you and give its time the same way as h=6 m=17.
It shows h=2 m=15
